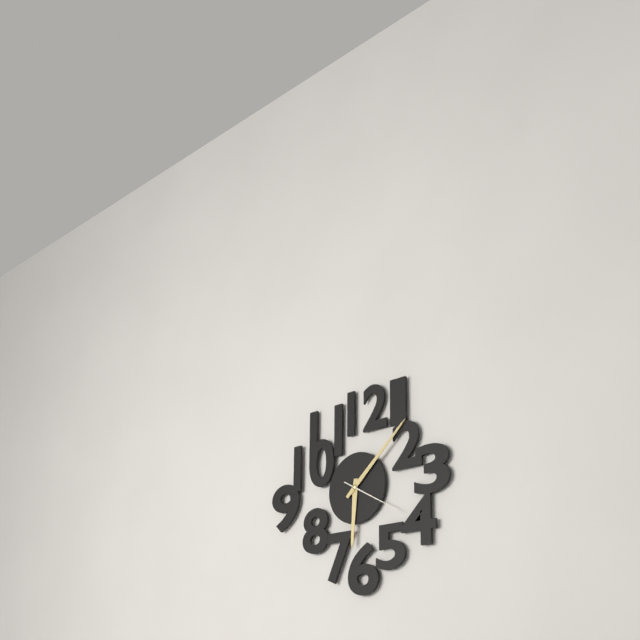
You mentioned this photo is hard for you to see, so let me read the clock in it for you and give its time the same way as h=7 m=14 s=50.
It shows h=6 m=8 s=20
